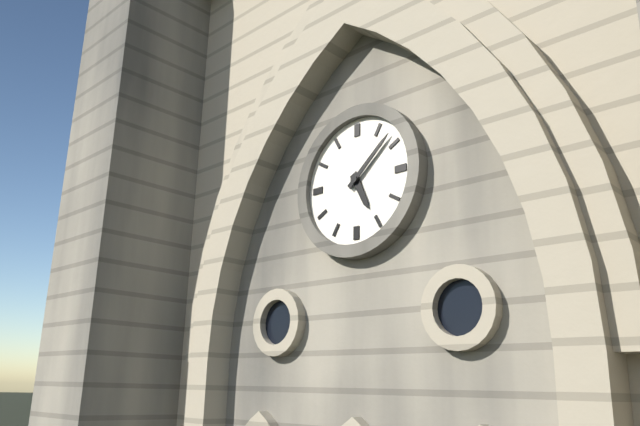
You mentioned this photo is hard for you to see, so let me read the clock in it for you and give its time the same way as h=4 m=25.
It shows h=5 m=8
